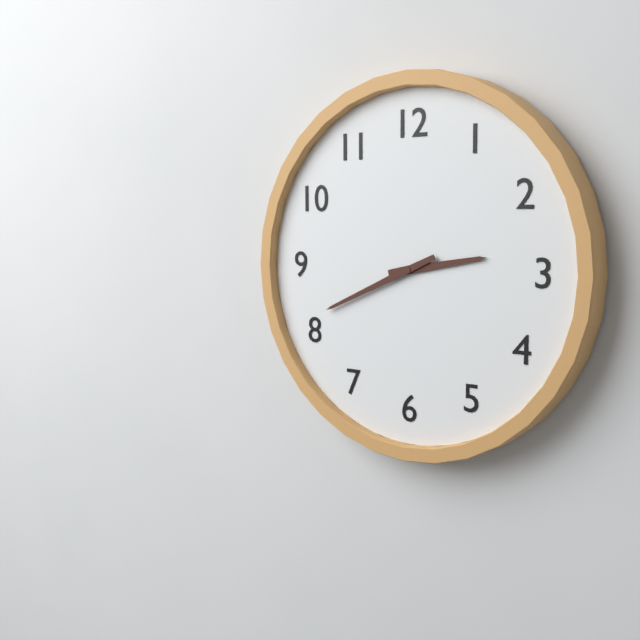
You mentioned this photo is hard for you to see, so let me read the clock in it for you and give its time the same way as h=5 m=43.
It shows h=2 m=41
